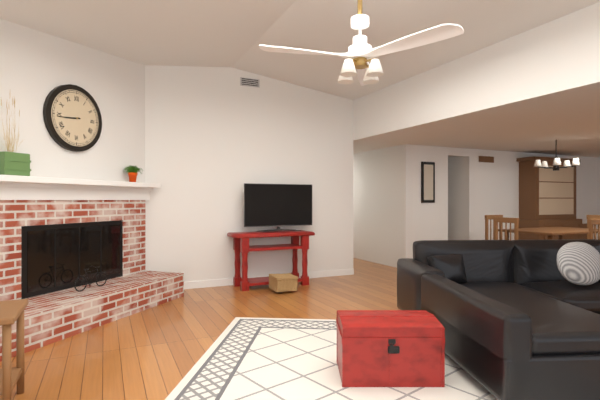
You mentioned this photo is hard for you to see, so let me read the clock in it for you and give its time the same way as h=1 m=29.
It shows h=8 m=44
